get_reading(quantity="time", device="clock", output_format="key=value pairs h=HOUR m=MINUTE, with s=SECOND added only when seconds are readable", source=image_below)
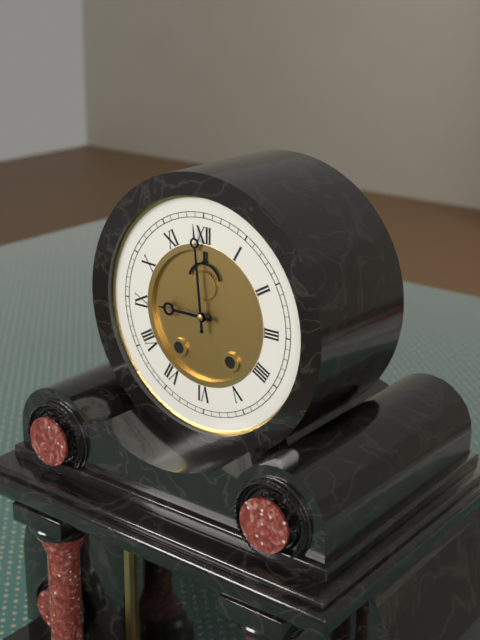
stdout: h=8 m=59
